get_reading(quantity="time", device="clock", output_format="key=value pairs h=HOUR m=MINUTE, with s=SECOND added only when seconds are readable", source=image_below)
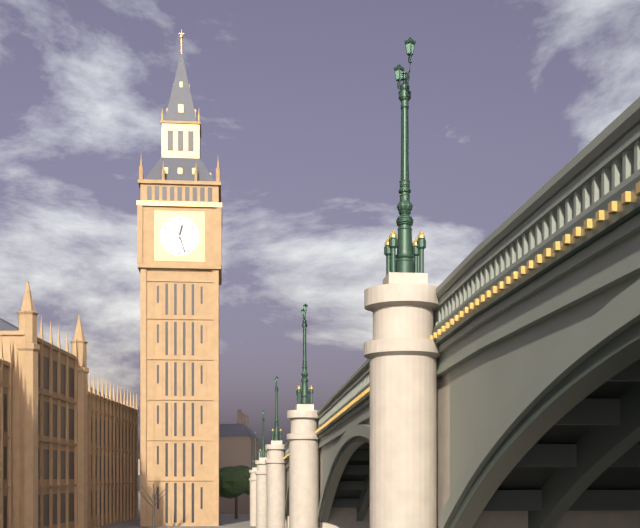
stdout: h=12 m=27
